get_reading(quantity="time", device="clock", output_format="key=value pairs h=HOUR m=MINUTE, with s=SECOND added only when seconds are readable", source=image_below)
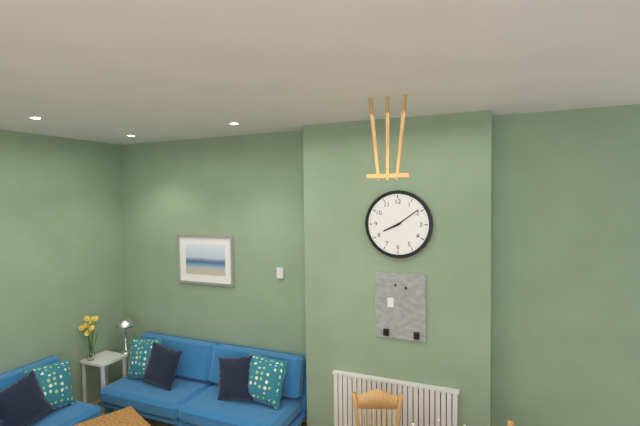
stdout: h=8 m=9
